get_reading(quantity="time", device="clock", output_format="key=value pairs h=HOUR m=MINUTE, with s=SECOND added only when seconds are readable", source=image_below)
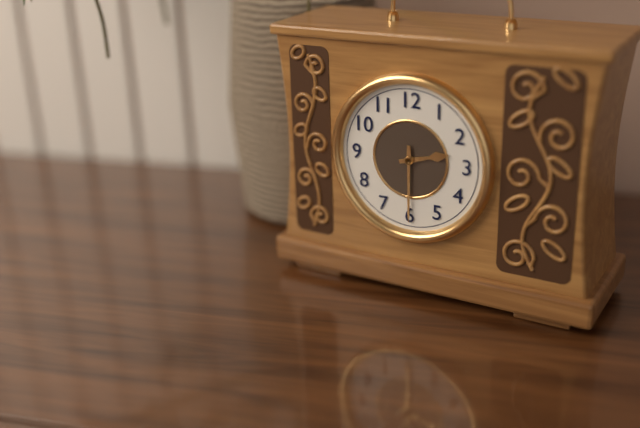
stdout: h=2 m=30
